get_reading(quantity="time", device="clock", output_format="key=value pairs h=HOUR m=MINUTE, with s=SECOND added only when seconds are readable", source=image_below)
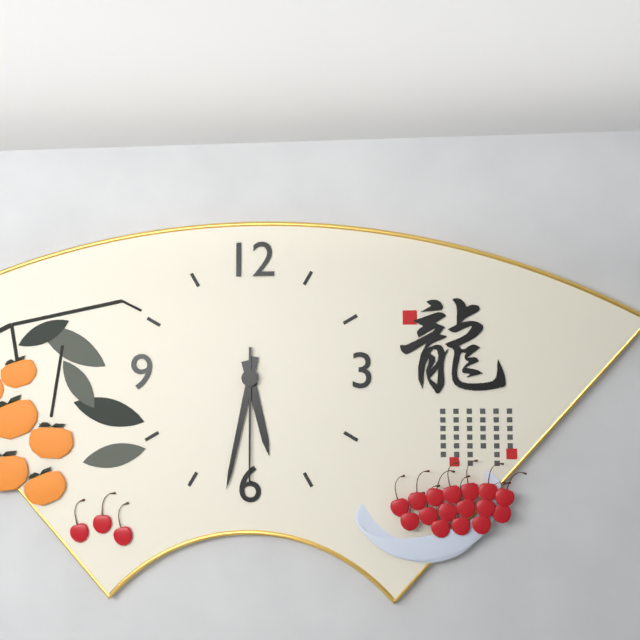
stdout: h=5 m=32 s=30
